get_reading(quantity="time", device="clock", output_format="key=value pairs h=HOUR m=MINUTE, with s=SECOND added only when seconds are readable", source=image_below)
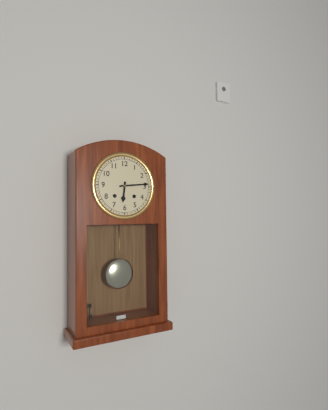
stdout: h=6 m=14
